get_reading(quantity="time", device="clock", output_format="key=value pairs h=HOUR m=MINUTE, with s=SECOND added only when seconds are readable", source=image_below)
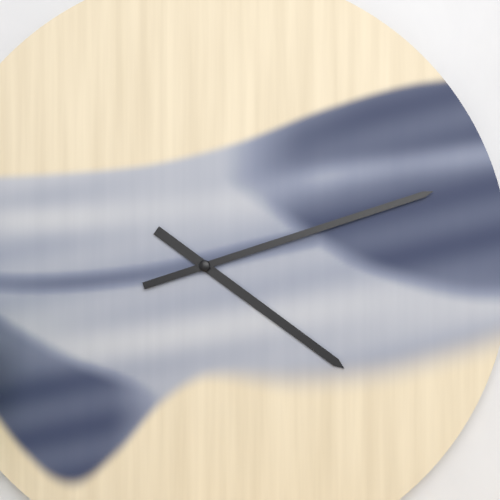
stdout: h=4 m=12
